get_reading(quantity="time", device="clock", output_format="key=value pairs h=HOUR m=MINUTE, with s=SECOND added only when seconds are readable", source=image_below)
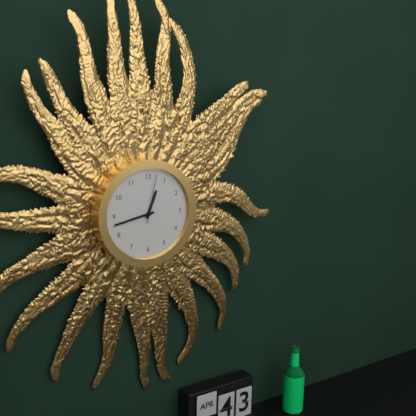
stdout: h=12 m=43 s=2
